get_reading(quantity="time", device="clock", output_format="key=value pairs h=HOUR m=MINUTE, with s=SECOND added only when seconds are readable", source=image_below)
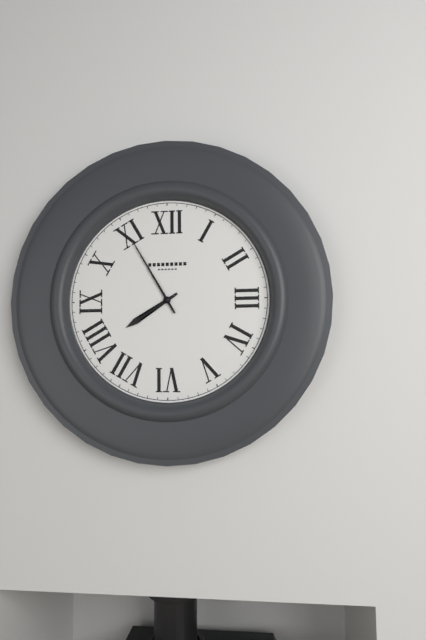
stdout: h=7 m=55
